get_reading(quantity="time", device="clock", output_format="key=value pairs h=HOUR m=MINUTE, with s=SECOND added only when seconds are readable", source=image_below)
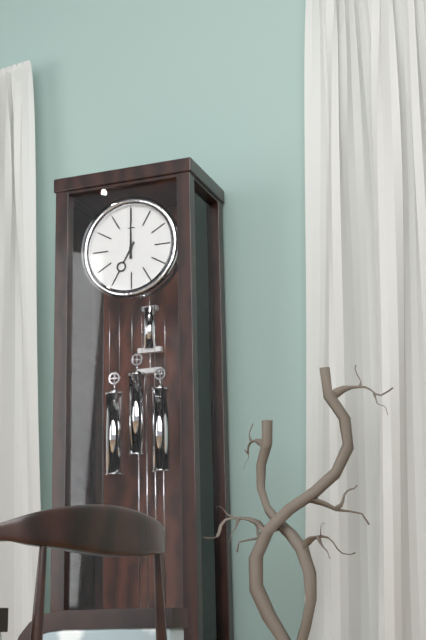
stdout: h=7 m=0
